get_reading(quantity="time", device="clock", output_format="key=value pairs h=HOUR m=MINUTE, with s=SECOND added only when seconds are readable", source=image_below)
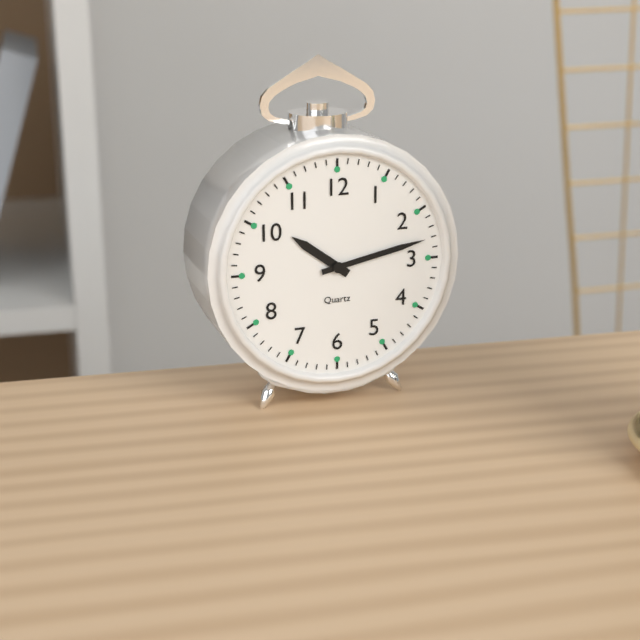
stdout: h=10 m=13
